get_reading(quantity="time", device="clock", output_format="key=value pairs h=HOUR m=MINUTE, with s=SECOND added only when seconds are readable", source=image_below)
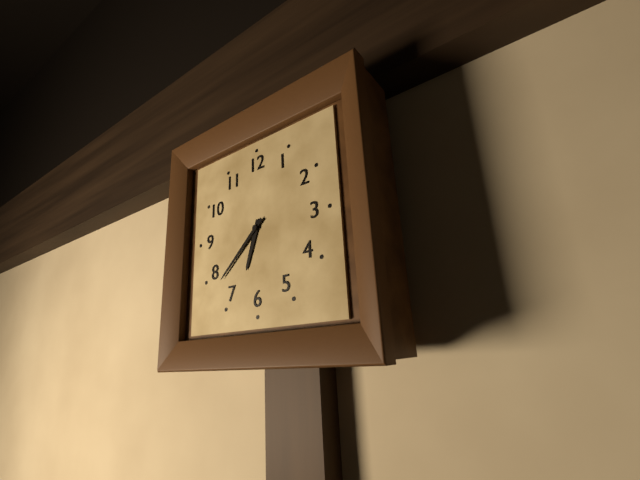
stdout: h=6 m=38
